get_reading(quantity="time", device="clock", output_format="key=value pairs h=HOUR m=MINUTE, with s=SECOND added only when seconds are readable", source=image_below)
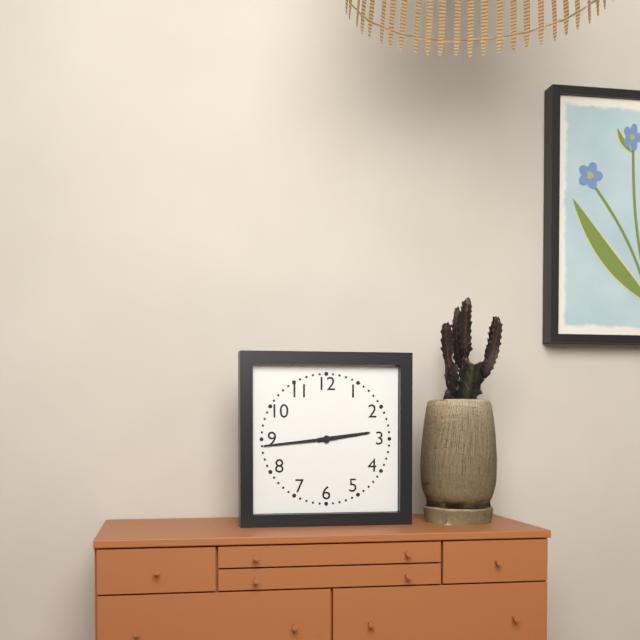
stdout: h=2 m=44
